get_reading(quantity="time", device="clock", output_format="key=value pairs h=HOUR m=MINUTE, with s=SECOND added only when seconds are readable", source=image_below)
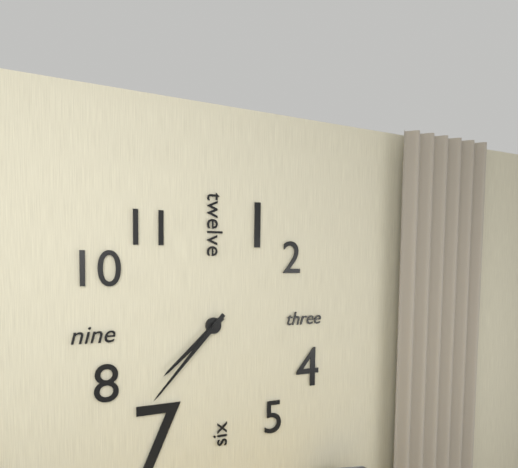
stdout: h=7 m=37
